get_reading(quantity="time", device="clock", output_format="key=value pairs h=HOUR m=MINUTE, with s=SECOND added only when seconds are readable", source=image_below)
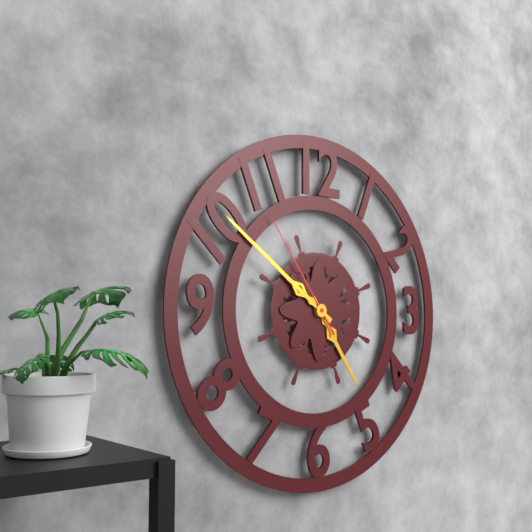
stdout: h=4 m=51 s=54
